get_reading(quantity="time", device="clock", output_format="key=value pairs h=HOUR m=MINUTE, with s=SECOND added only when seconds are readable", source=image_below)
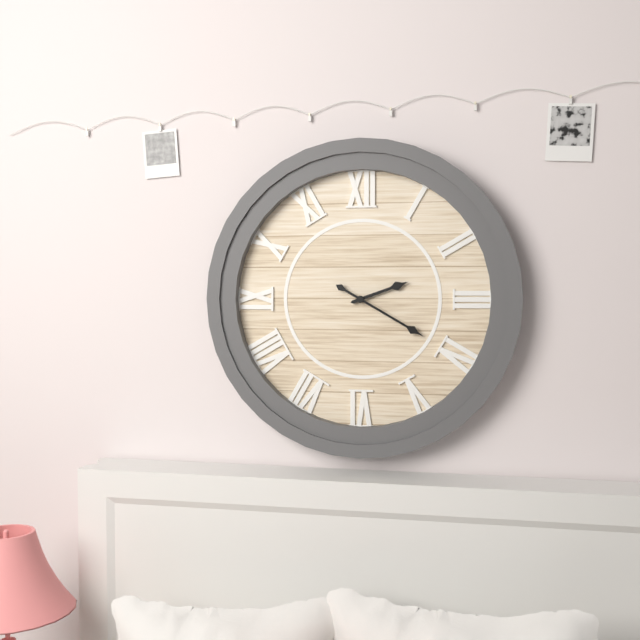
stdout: h=2 m=20
